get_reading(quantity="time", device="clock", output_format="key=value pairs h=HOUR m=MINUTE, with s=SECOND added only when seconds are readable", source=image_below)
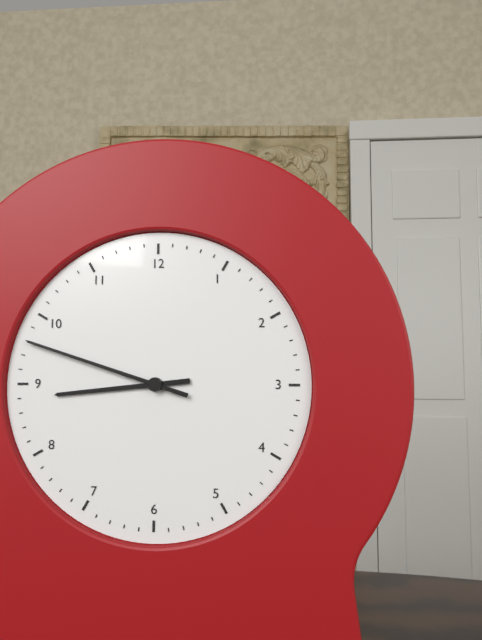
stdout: h=8 m=48
